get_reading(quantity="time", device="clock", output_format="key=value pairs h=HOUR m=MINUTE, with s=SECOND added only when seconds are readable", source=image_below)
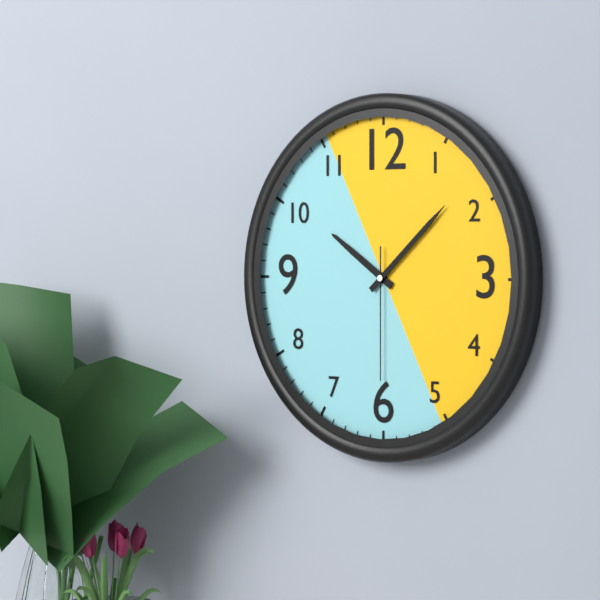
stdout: h=10 m=8 s=30
